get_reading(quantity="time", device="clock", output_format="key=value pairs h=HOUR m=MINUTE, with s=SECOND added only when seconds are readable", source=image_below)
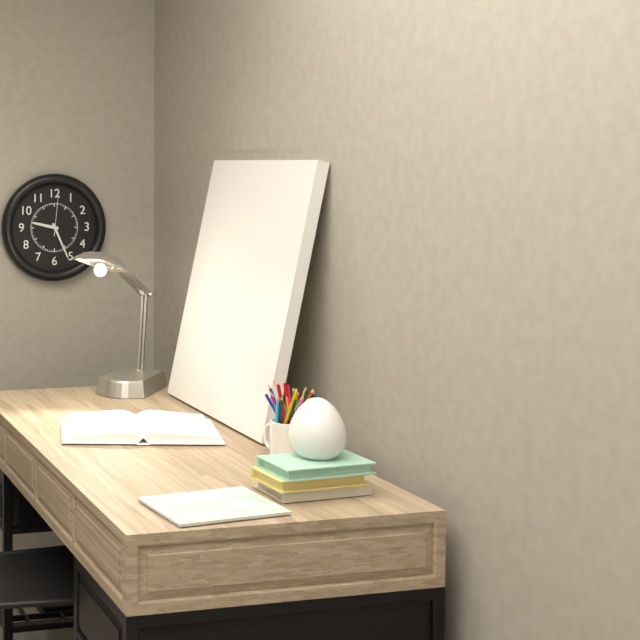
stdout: h=9 m=26
